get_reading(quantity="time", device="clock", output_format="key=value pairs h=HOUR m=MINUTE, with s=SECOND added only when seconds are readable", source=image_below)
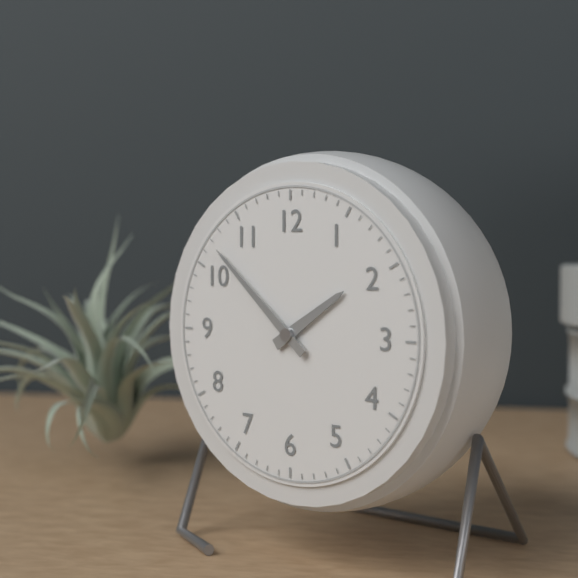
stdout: h=1 m=52
